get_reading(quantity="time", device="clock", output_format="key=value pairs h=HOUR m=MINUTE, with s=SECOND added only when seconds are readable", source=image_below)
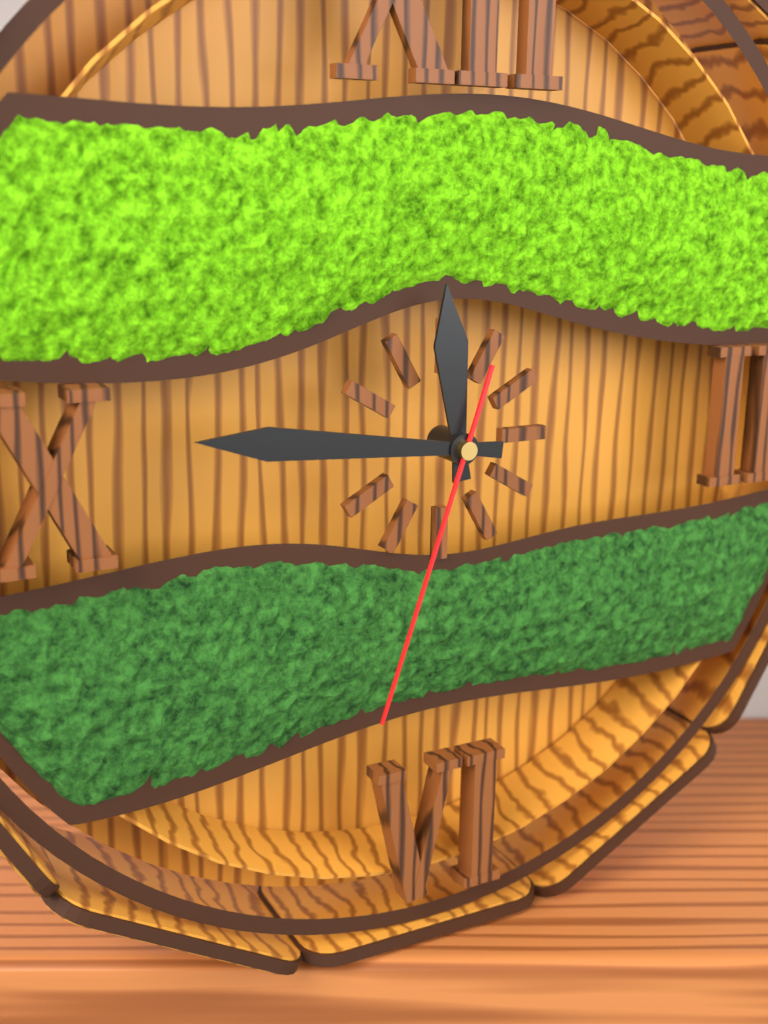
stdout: h=11 m=46 s=33
